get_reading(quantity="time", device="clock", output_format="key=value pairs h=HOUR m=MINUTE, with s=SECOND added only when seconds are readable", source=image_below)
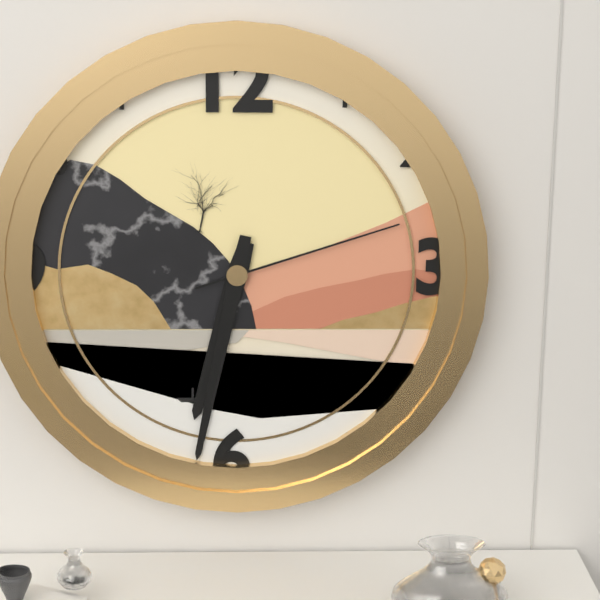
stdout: h=6 m=32 s=12
